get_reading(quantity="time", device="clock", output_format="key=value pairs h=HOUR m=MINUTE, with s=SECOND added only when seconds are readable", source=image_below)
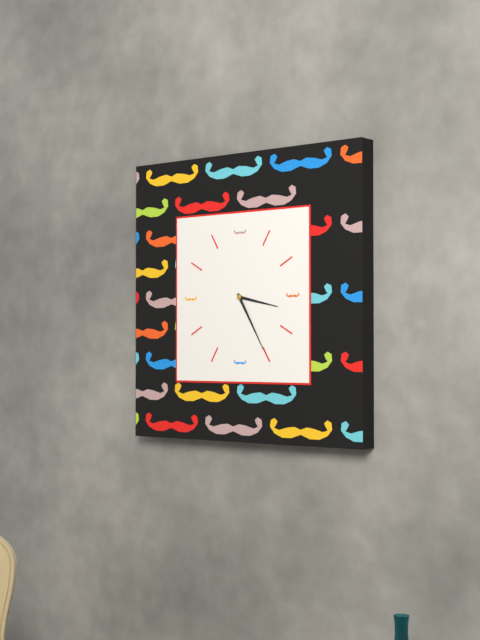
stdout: h=3 m=25
